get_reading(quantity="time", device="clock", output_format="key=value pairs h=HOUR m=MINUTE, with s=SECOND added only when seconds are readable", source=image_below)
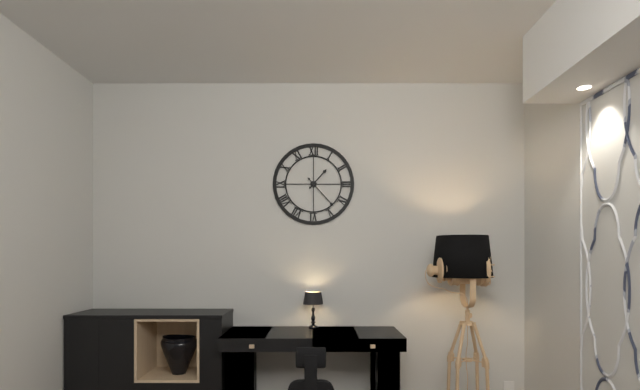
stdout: h=1 m=23
